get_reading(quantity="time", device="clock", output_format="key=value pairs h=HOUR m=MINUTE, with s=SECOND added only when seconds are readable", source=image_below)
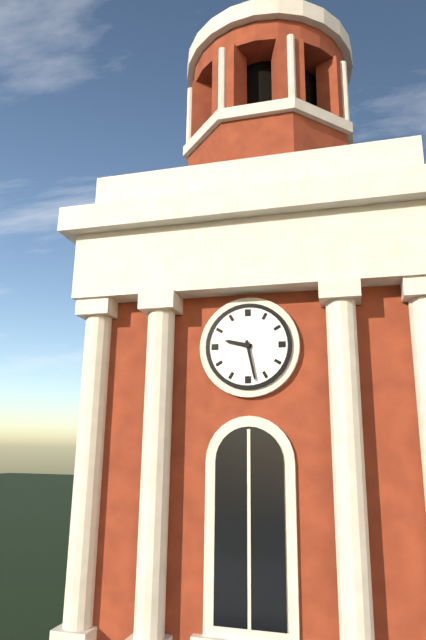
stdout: h=9 m=28
